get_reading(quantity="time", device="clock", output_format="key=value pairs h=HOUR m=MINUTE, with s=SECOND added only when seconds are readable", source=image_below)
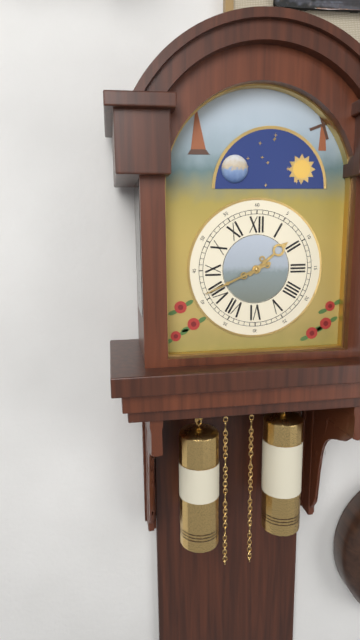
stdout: h=1 m=41
